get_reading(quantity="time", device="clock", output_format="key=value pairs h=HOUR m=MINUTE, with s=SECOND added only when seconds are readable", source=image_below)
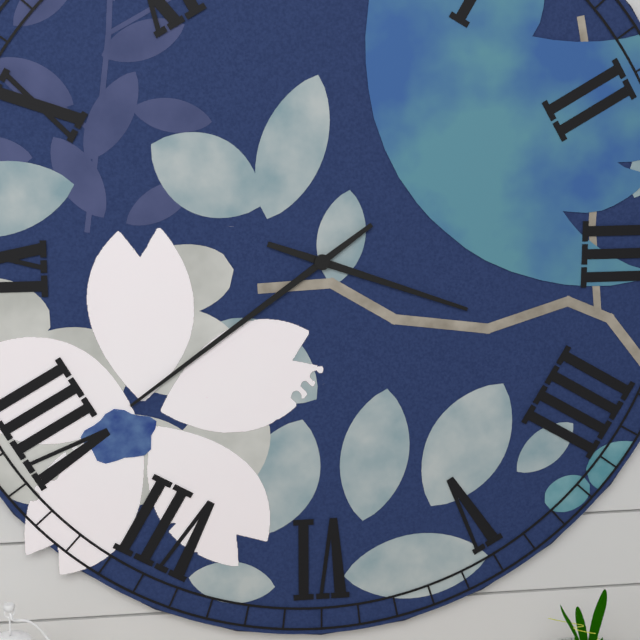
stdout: h=3 m=39
